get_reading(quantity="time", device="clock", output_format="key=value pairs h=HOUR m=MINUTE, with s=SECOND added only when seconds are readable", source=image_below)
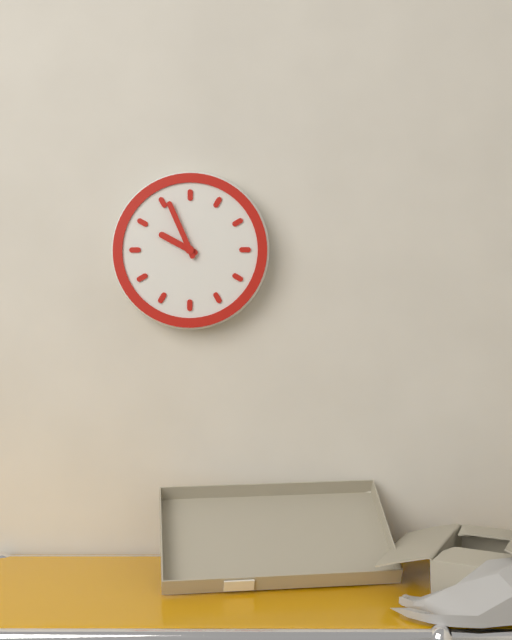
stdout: h=9 m=56
